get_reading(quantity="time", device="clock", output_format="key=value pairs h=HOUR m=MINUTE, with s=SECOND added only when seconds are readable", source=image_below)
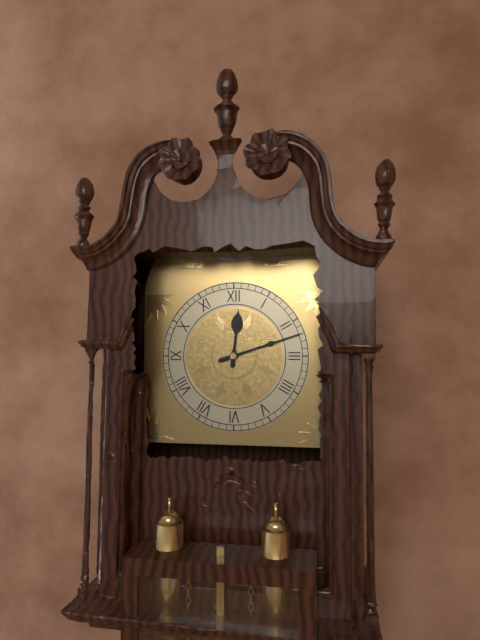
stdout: h=12 m=12
